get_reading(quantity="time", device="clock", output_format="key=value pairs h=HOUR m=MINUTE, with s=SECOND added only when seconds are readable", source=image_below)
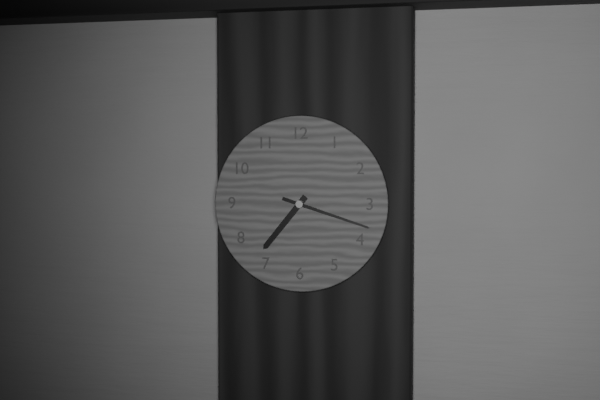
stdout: h=7 m=18
